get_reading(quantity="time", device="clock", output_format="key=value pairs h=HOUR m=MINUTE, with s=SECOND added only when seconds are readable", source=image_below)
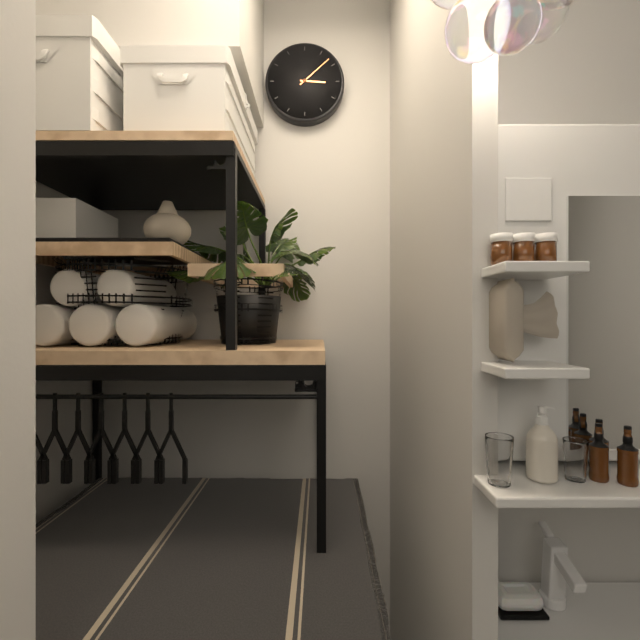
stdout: h=3 m=8
